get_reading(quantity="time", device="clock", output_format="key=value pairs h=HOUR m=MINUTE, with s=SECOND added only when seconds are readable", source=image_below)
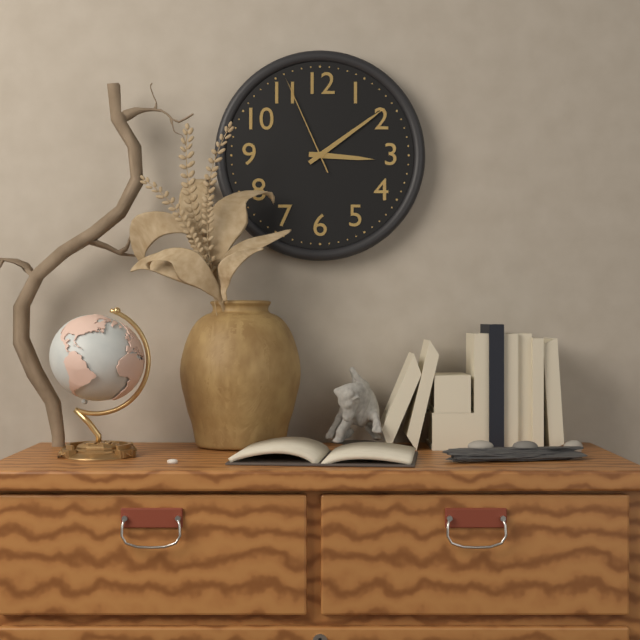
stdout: h=3 m=9 s=56
